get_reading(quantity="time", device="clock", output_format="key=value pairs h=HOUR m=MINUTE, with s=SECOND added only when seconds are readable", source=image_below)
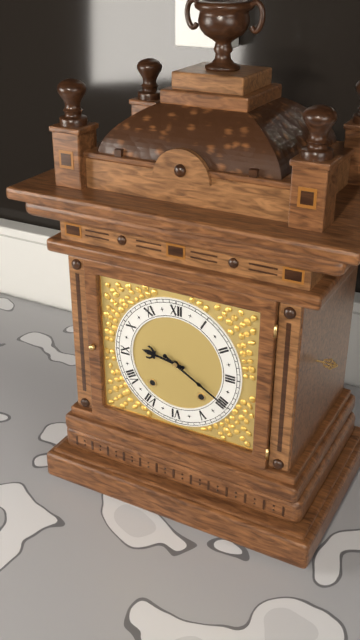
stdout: h=9 m=20
